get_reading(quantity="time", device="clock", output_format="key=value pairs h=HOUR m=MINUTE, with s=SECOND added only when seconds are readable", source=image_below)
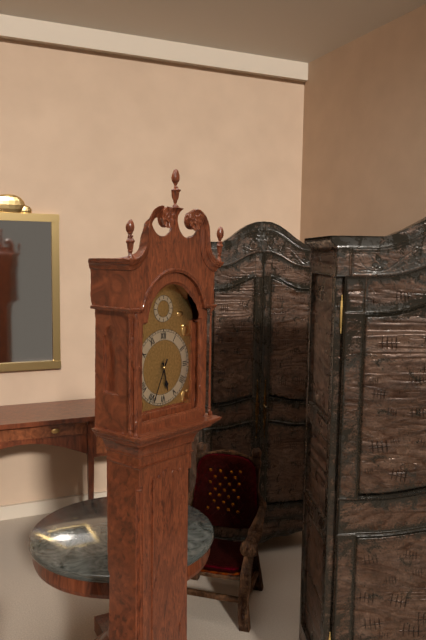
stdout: h=5 m=34
